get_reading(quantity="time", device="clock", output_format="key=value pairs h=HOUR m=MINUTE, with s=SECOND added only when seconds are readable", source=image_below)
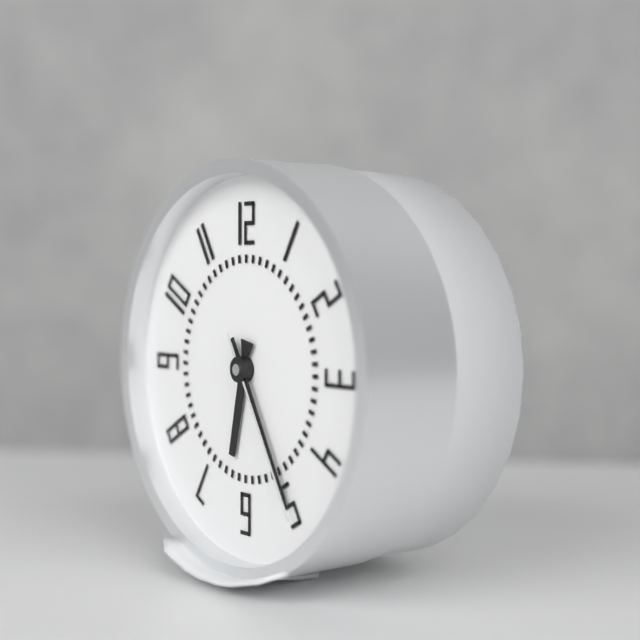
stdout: h=6 m=25 s=25
